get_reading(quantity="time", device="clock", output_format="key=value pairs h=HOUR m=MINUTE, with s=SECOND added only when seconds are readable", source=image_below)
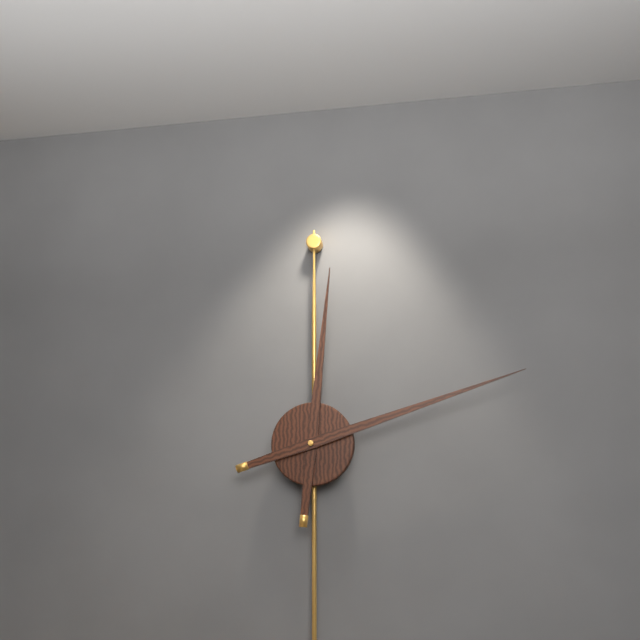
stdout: h=12 m=12
